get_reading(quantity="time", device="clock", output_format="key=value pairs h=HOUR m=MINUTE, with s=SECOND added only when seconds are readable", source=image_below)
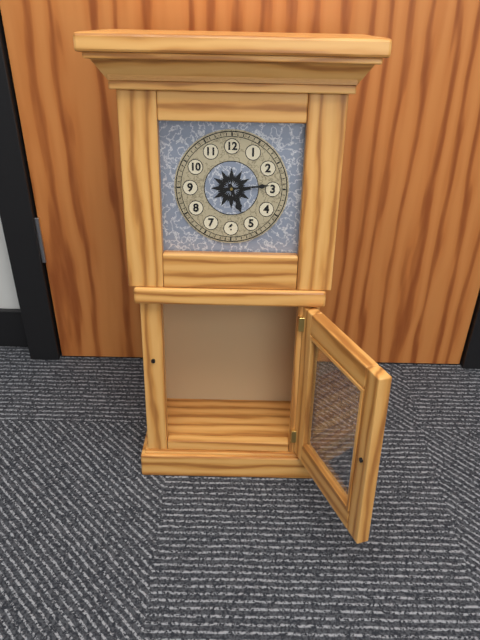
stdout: h=5 m=14
